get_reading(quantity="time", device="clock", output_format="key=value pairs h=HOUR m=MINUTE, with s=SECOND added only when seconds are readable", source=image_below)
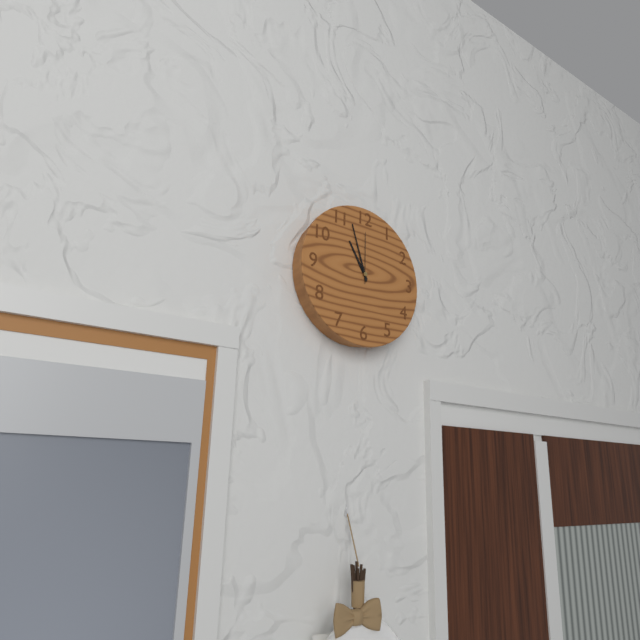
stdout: h=10 m=57 s=0
